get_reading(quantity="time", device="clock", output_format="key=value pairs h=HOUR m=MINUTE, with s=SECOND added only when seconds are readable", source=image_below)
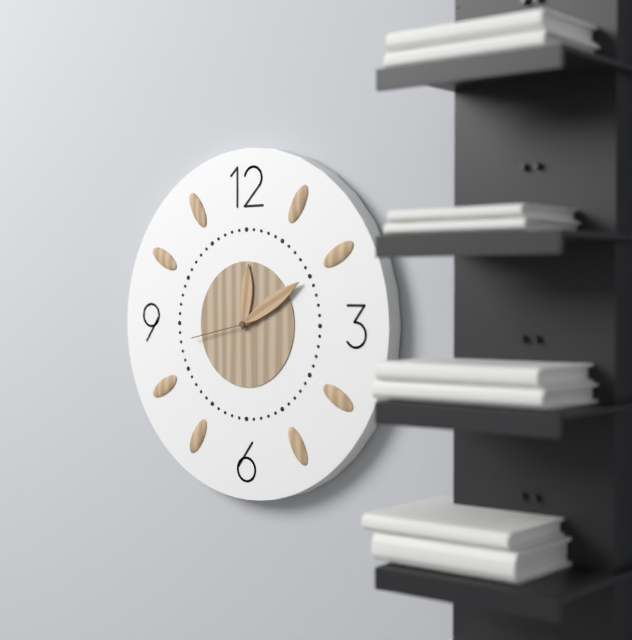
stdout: h=12 m=10 s=43
